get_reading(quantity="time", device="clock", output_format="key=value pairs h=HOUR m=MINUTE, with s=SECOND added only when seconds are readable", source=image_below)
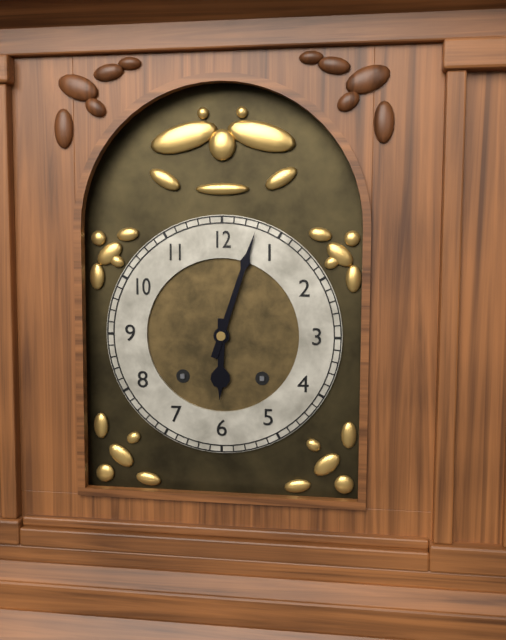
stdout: h=6 m=3
